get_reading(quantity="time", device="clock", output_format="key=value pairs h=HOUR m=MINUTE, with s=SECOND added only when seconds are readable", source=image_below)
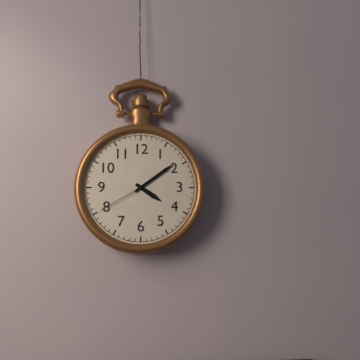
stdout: h=4 m=9 s=40
